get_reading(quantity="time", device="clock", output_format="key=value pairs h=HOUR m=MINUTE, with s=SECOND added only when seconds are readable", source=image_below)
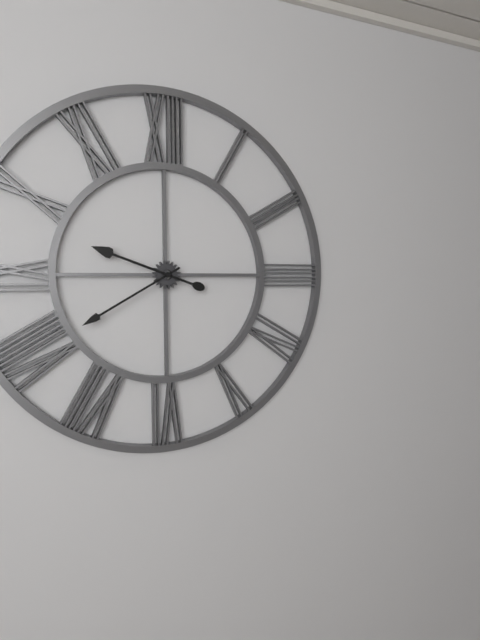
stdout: h=9 m=40
